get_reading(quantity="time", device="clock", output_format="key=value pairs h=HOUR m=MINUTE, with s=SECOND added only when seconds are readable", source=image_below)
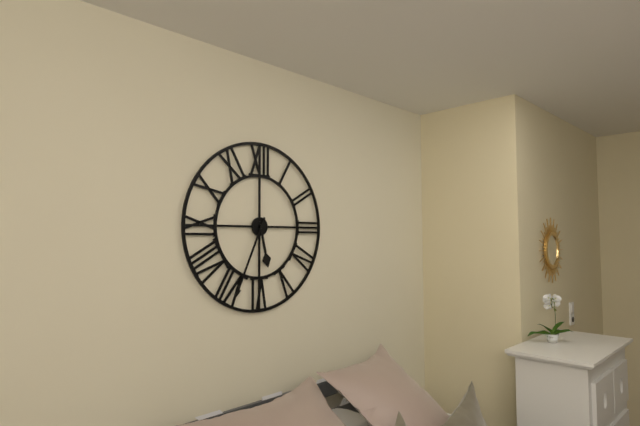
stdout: h=5 m=34
